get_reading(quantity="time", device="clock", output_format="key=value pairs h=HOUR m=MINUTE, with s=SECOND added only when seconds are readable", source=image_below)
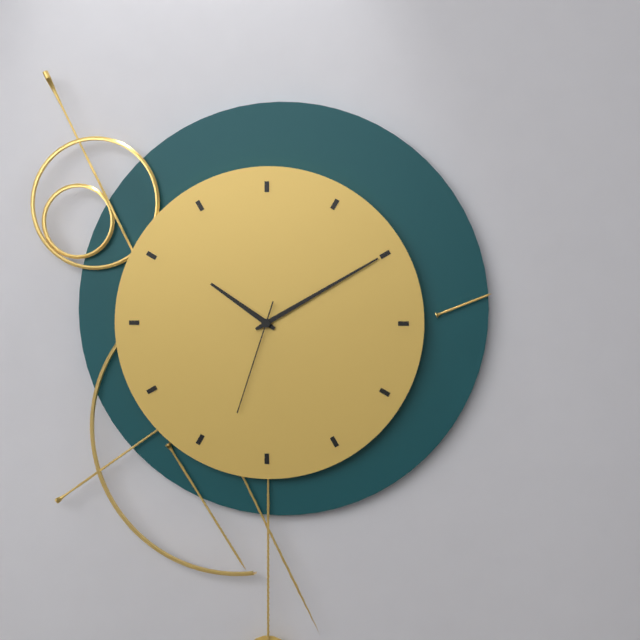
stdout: h=10 m=10 s=33
